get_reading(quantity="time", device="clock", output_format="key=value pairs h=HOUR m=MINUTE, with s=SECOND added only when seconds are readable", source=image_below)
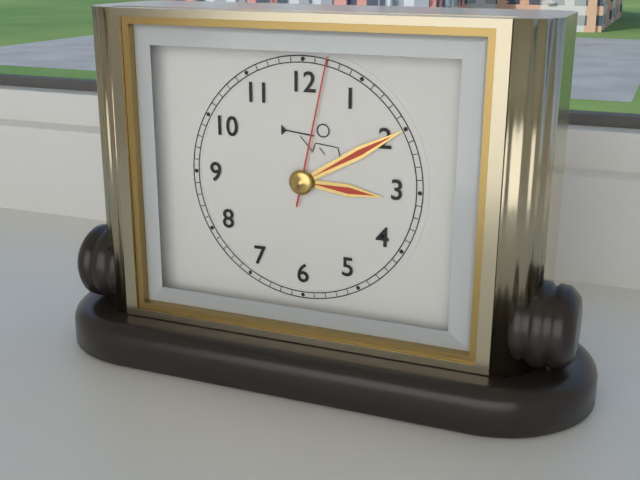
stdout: h=3 m=10 s=2
